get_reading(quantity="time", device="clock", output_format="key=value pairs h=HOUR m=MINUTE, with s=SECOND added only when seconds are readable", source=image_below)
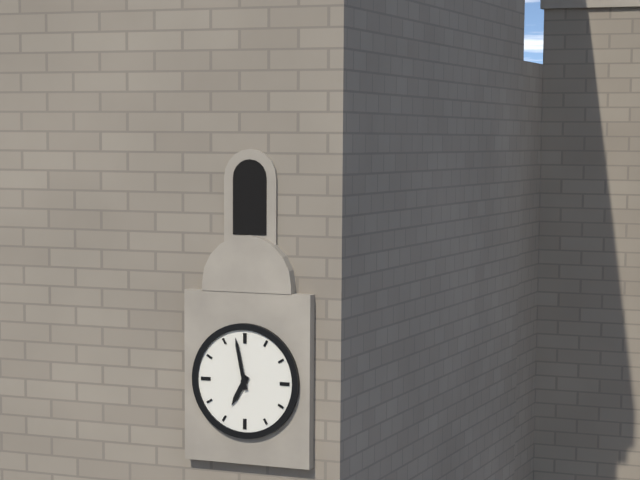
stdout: h=6 m=58
